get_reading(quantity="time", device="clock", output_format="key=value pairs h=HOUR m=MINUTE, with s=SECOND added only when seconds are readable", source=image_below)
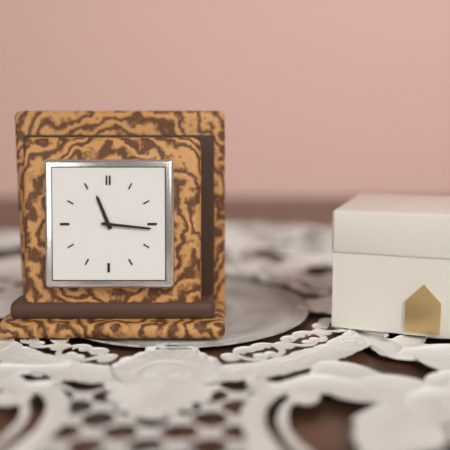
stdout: h=11 m=16
